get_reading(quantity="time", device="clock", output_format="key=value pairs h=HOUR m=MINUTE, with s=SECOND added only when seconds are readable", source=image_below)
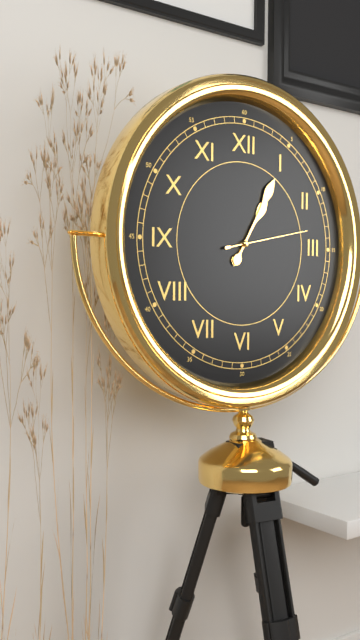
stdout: h=1 m=5 s=13
